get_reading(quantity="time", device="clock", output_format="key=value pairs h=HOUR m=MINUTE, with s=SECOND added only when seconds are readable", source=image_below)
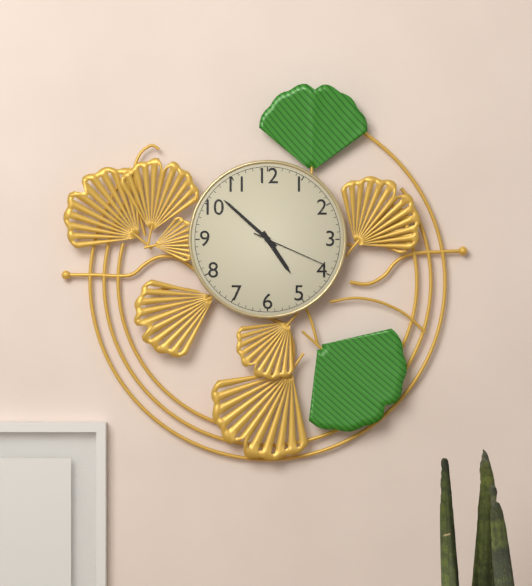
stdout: h=4 m=52 s=19
